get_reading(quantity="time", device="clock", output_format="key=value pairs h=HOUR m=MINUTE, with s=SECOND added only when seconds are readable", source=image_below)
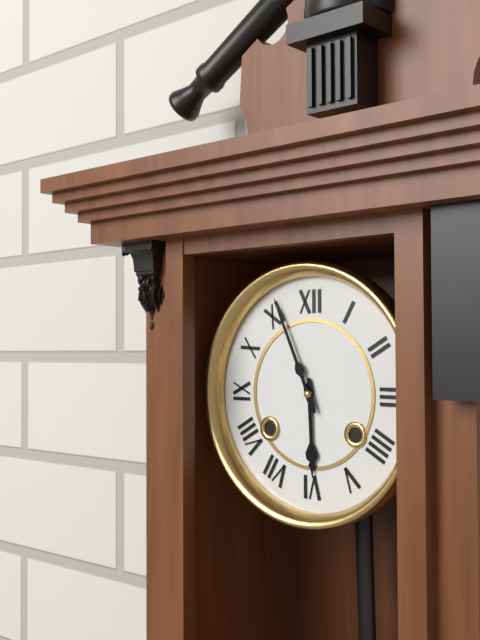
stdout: h=5 m=56
